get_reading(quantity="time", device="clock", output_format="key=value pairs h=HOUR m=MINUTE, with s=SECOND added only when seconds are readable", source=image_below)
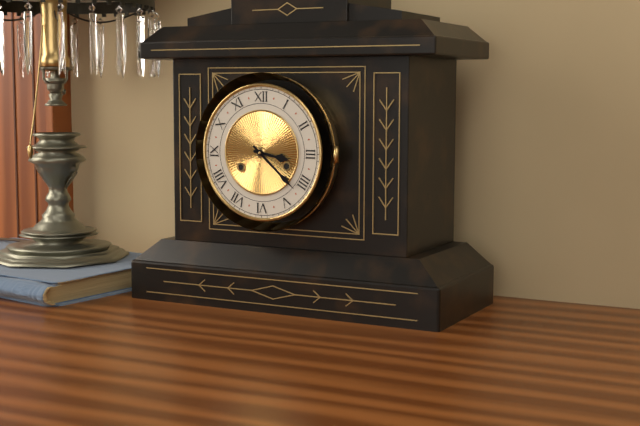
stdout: h=3 m=22
